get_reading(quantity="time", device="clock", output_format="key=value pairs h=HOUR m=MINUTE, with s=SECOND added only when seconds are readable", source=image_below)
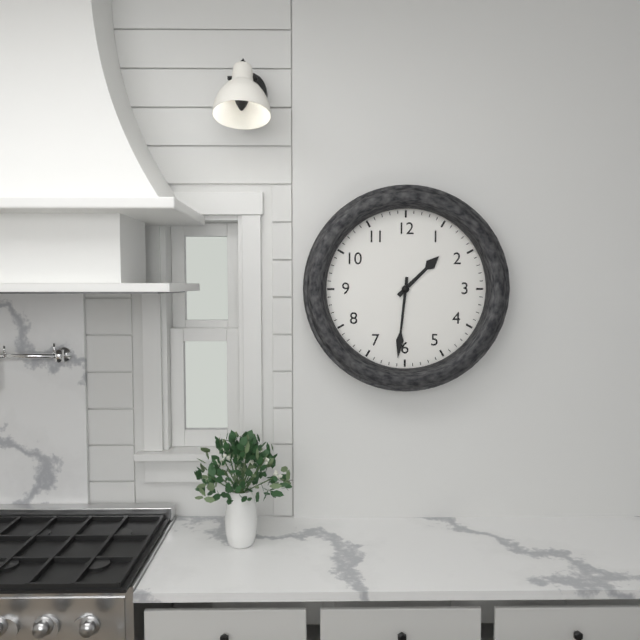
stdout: h=1 m=31
